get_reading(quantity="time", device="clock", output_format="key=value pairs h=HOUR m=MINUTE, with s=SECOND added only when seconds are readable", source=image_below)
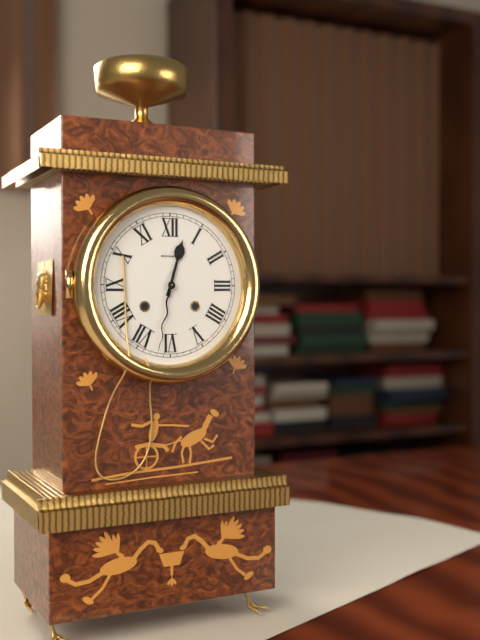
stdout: h=12 m=32
